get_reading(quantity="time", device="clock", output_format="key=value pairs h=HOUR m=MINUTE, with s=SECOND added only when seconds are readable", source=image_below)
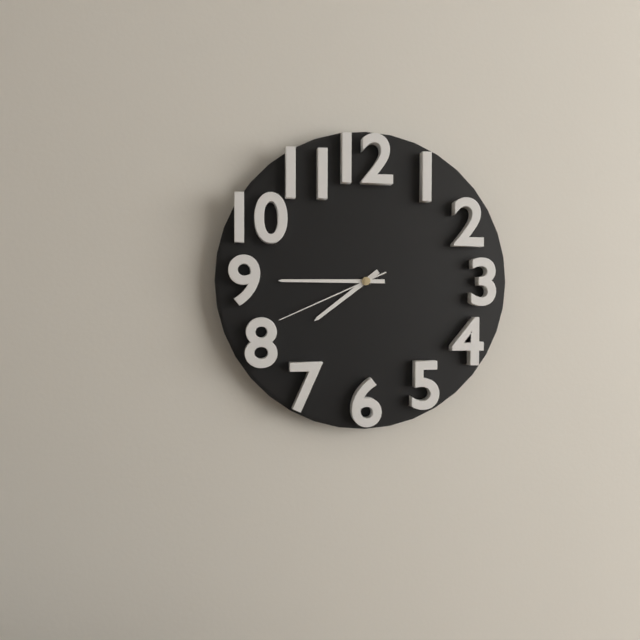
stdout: h=7 m=45 s=41
